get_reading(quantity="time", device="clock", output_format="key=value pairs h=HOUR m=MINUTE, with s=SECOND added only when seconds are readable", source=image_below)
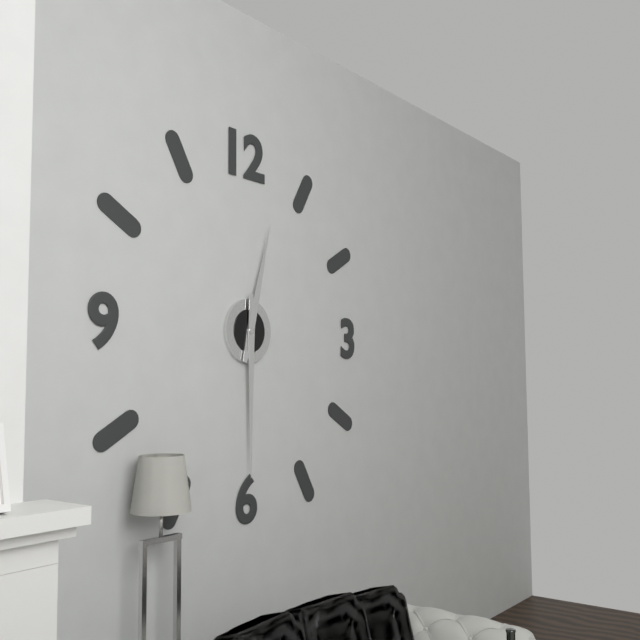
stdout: h=12 m=30
